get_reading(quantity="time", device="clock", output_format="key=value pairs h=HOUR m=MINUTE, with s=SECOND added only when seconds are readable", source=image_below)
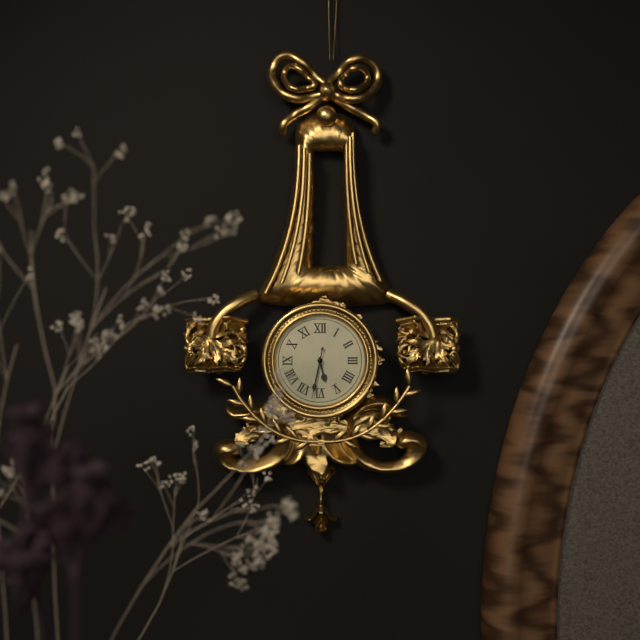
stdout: h=5 m=32
